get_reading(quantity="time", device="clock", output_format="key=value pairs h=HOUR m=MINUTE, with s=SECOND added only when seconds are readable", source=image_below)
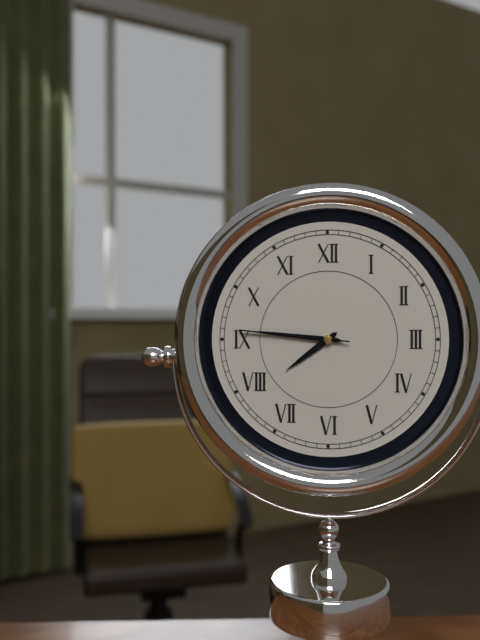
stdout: h=7 m=46 s=46
